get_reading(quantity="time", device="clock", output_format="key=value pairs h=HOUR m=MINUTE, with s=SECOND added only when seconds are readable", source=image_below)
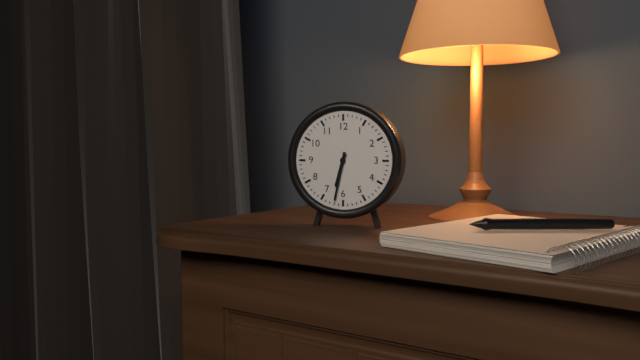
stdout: h=6 m=32
